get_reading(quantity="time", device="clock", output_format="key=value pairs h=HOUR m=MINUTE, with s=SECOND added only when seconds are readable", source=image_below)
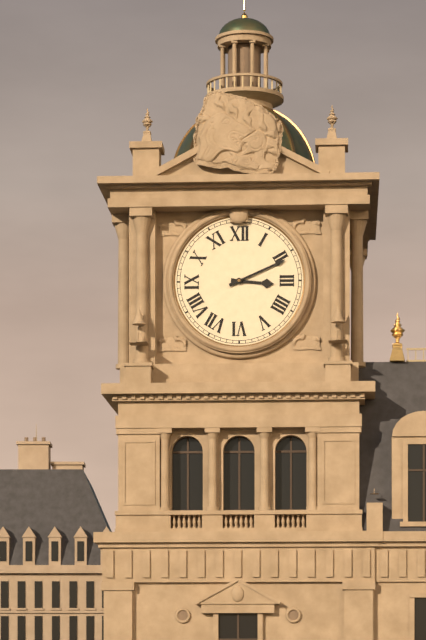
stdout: h=3 m=11
